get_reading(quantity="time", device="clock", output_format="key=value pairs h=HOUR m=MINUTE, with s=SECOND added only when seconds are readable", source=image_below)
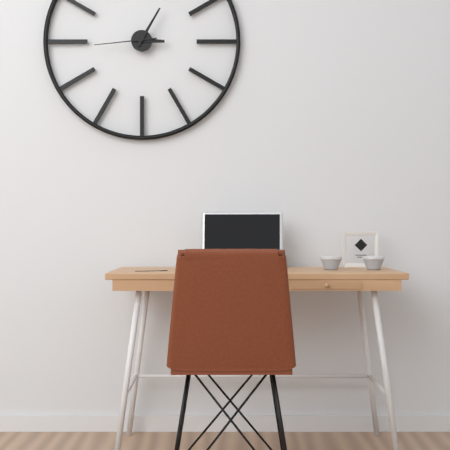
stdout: h=3 m=5 s=44
